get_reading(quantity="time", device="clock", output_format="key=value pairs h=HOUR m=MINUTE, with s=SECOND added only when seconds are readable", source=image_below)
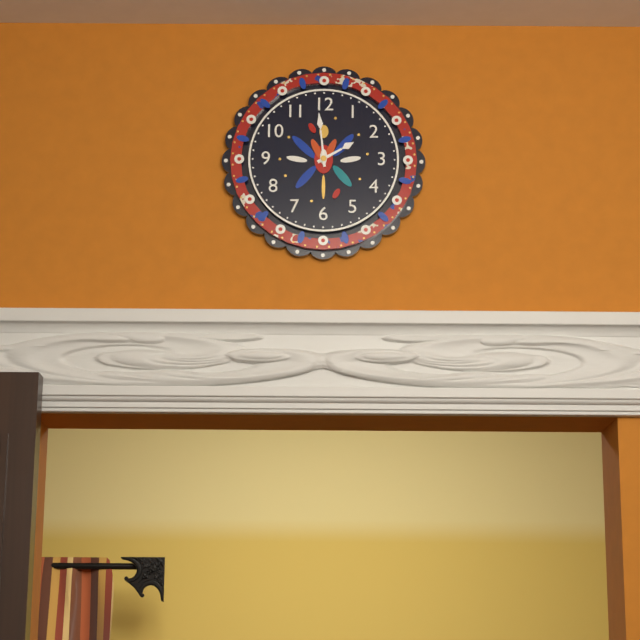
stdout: h=1 m=59
